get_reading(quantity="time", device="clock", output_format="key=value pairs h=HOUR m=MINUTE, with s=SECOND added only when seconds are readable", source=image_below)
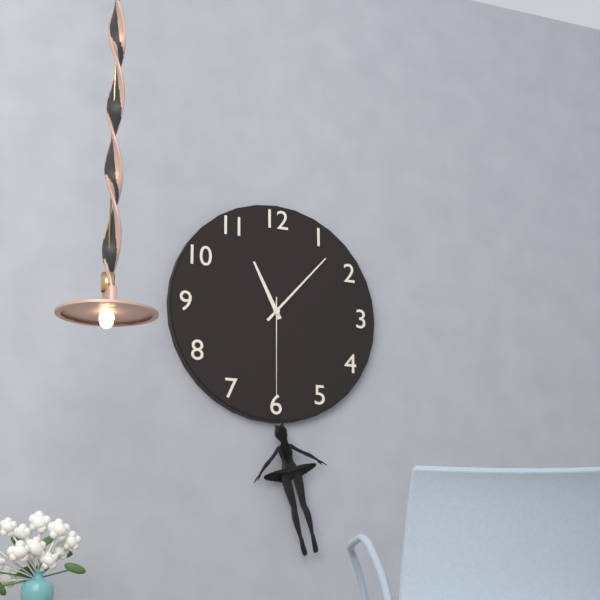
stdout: h=11 m=7 s=30
